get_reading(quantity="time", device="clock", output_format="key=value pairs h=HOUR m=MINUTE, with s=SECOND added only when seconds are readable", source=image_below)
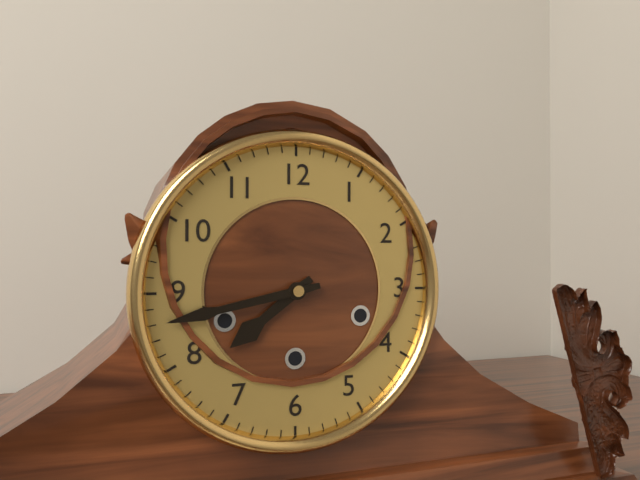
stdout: h=7 m=43
